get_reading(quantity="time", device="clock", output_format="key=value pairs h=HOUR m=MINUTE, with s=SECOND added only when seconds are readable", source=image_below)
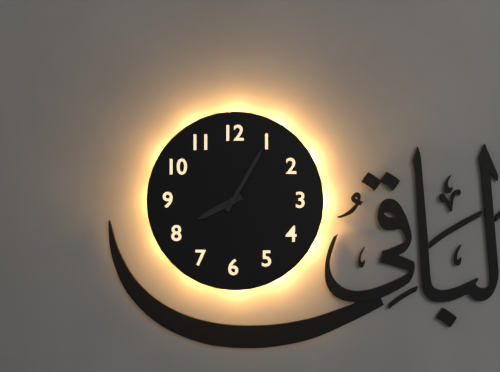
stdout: h=8 m=5
